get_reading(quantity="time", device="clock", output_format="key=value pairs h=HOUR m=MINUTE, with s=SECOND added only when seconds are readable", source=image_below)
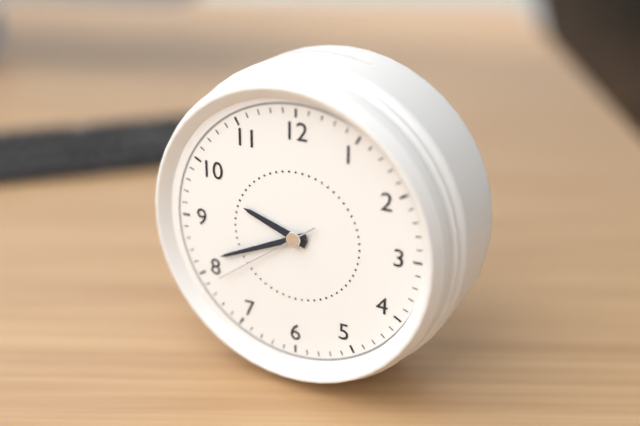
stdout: h=9 m=41 s=39
